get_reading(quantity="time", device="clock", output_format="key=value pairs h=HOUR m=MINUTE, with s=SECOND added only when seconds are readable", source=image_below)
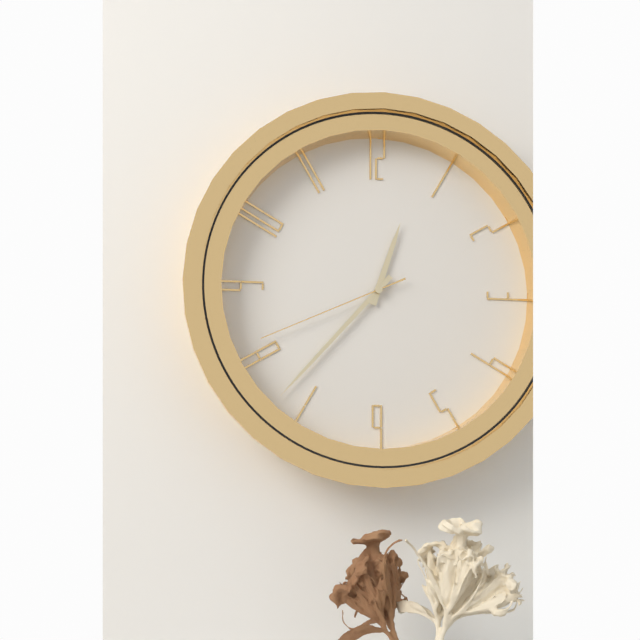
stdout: h=12 m=37 s=41
